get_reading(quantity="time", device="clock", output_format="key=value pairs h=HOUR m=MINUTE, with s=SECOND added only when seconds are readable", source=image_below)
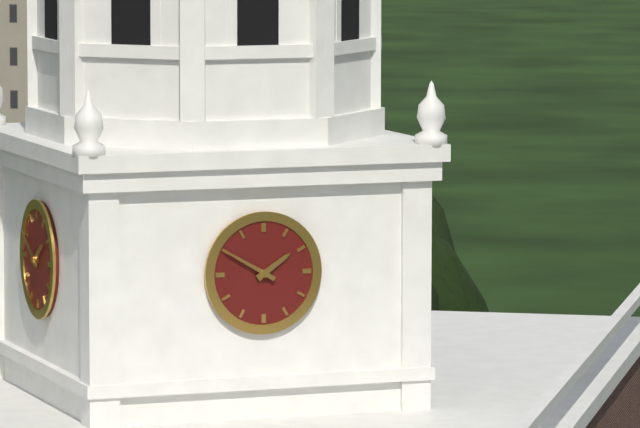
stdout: h=1 m=50
